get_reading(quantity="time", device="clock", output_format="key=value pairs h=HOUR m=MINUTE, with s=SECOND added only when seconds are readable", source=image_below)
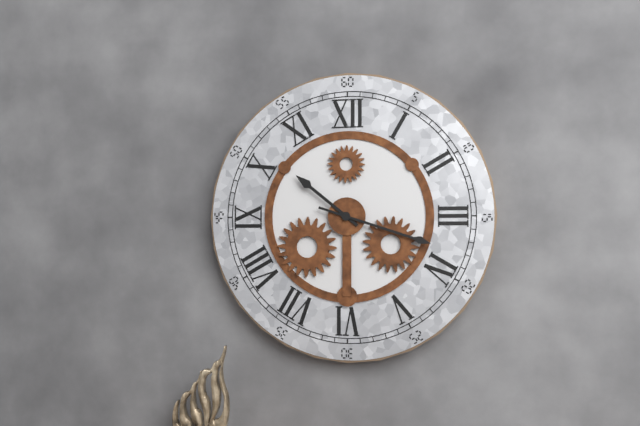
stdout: h=10 m=18
